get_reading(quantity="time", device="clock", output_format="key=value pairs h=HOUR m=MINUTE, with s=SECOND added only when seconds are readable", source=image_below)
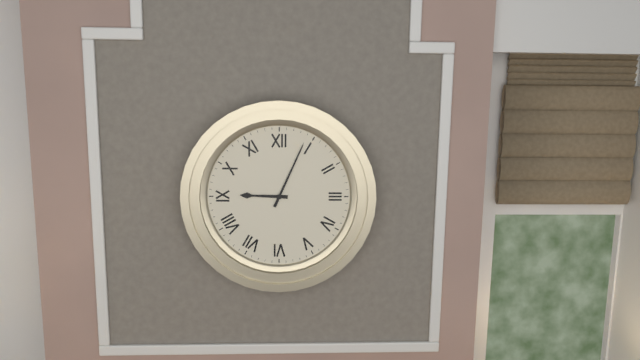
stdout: h=9 m=4
